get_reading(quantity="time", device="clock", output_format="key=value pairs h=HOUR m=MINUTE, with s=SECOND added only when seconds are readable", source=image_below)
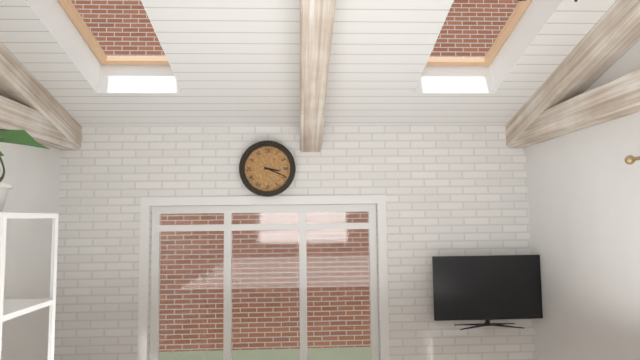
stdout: h=3 m=19
